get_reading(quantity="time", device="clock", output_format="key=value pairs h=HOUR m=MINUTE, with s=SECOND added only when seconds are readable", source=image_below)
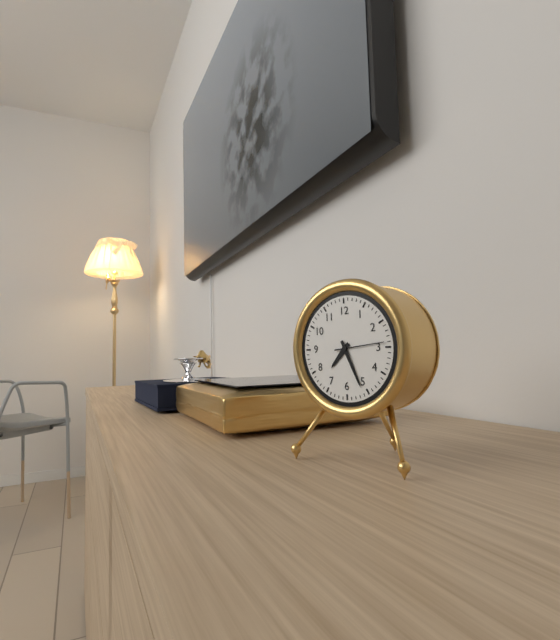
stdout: h=7 m=26 s=14
